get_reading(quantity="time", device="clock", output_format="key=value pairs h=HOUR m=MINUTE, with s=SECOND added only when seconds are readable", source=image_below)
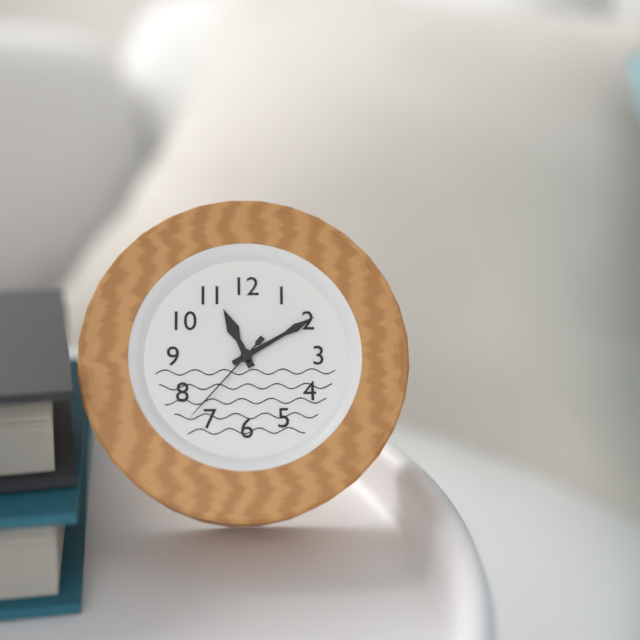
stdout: h=11 m=10 s=37
